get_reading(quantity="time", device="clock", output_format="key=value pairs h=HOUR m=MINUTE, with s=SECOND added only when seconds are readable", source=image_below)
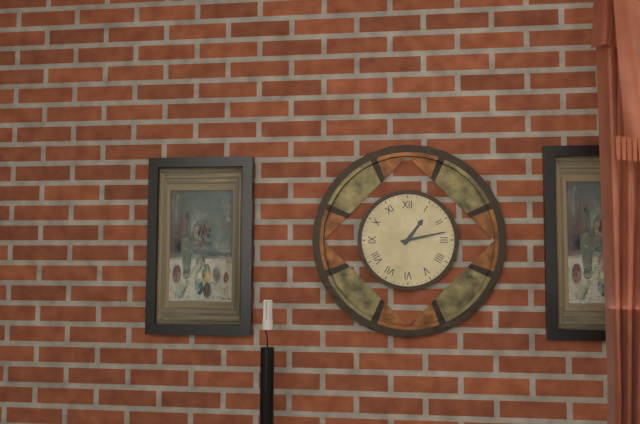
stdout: h=1 m=13
